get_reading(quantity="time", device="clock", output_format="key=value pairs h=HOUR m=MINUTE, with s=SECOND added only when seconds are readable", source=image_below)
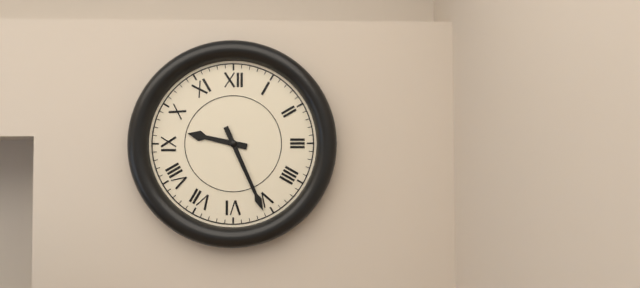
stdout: h=9 m=26
